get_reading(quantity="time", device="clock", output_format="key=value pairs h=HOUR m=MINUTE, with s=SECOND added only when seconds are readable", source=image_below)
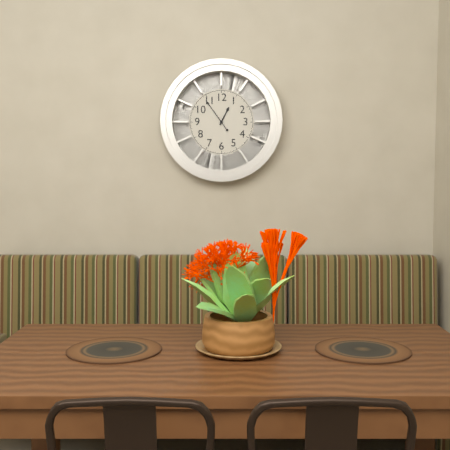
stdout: h=12 m=54
